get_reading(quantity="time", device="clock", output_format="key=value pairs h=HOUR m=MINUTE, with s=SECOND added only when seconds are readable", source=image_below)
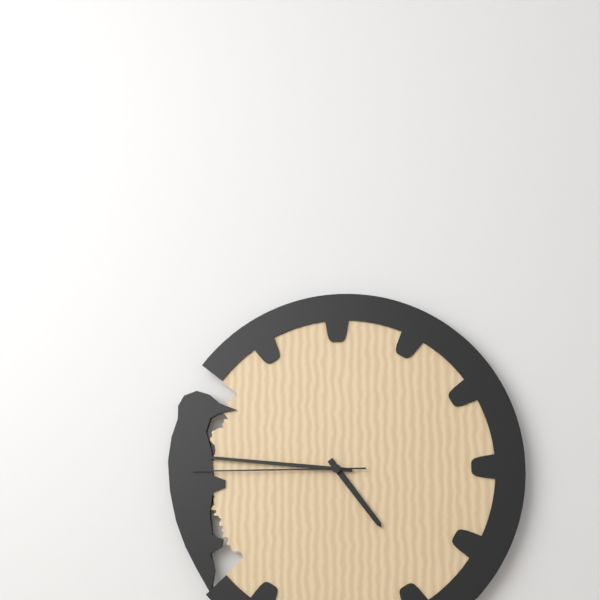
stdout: h=4 m=46 s=45
